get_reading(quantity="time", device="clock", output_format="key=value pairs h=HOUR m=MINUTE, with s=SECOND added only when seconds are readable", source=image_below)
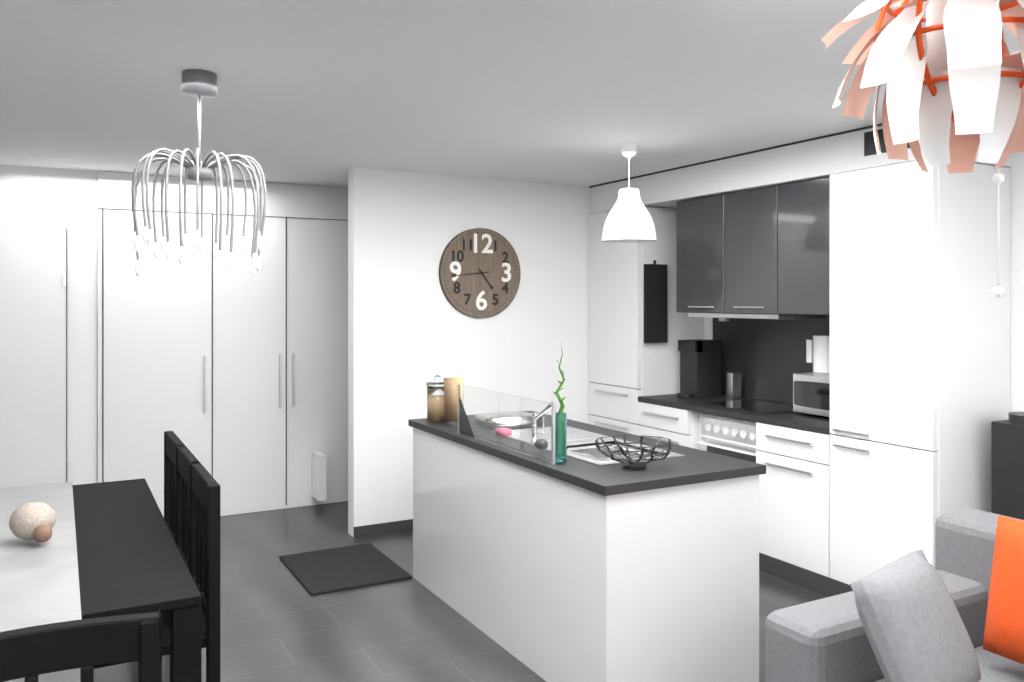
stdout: h=4 m=44
